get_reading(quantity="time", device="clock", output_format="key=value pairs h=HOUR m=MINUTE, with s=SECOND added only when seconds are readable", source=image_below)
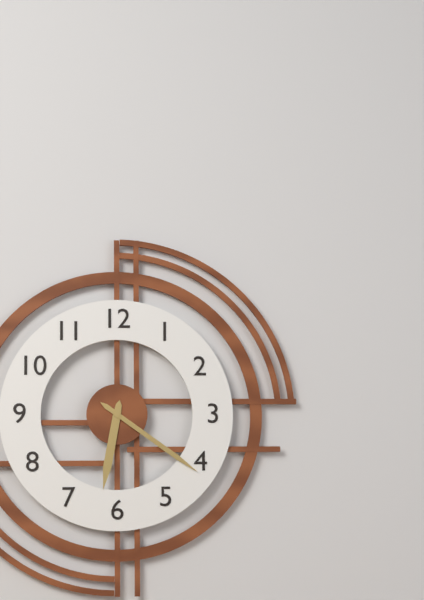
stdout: h=6 m=21
